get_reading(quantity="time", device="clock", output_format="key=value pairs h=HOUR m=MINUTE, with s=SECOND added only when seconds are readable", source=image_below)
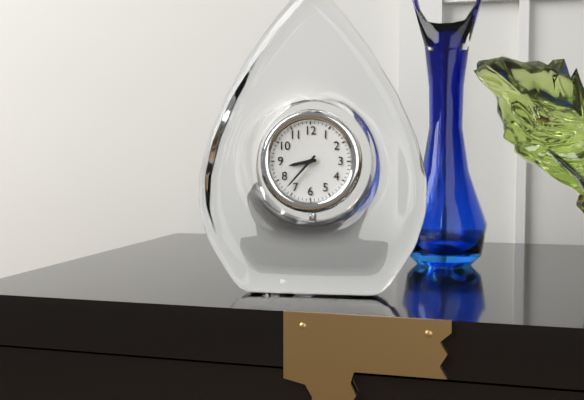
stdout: h=8 m=37
